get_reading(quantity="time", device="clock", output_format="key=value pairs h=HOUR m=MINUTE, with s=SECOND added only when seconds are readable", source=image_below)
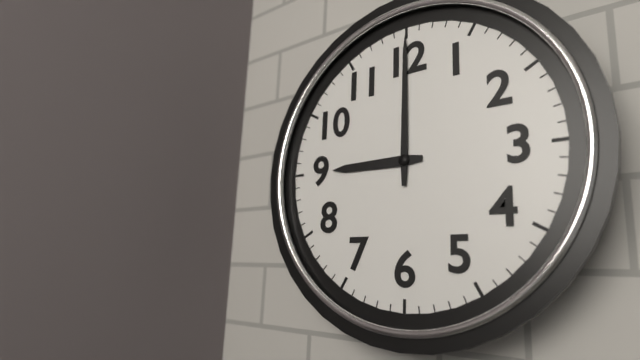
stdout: h=9 m=0
